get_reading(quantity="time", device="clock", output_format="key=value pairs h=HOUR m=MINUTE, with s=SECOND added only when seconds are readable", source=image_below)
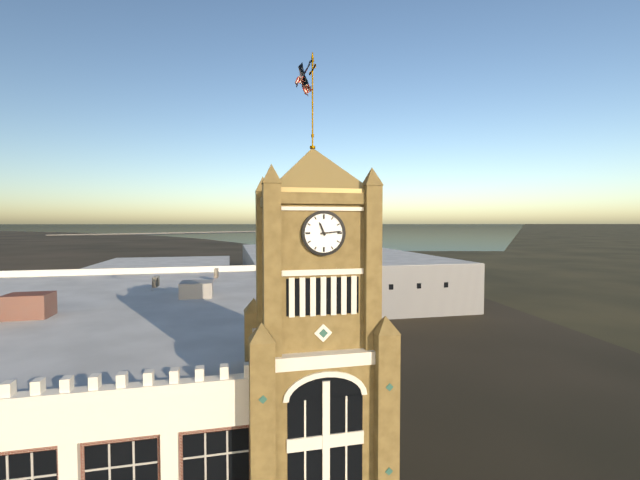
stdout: h=11 m=14
